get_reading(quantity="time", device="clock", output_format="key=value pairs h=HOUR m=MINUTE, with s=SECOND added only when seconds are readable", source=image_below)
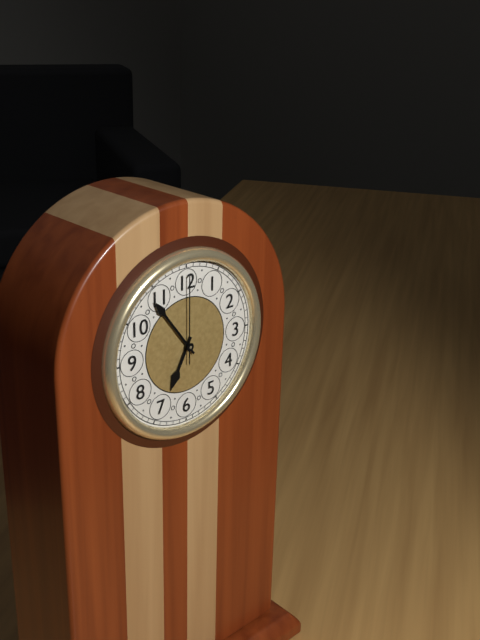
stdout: h=6 m=54 s=0
